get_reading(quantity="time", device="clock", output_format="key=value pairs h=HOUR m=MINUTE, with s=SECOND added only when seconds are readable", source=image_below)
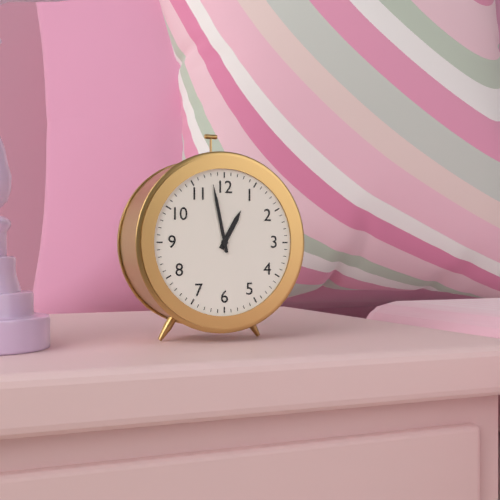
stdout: h=12 m=58
